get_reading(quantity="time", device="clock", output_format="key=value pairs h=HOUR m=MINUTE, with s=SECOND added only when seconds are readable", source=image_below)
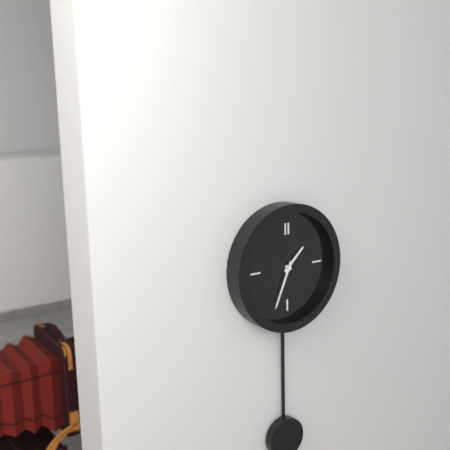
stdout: h=1 m=34
